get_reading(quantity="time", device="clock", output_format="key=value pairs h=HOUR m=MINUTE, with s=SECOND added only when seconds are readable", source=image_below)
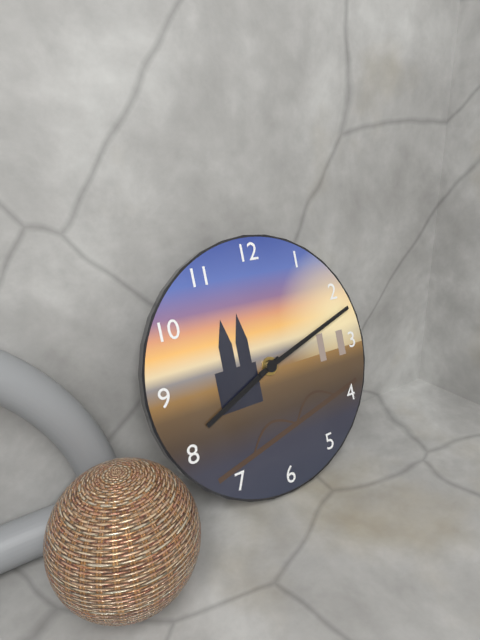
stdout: h=8 m=12
